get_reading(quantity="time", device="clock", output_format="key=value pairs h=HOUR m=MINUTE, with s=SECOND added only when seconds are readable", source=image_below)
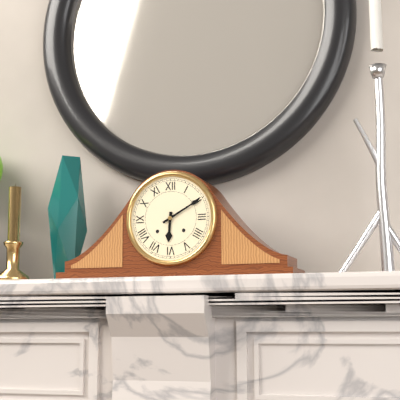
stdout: h=6 m=10
